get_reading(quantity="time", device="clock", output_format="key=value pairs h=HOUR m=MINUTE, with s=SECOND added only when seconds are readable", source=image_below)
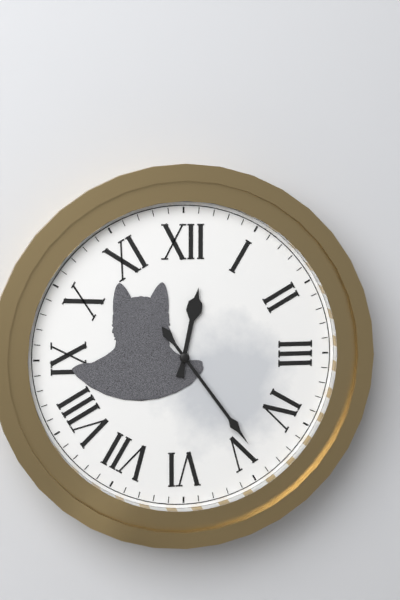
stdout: h=12 m=24
